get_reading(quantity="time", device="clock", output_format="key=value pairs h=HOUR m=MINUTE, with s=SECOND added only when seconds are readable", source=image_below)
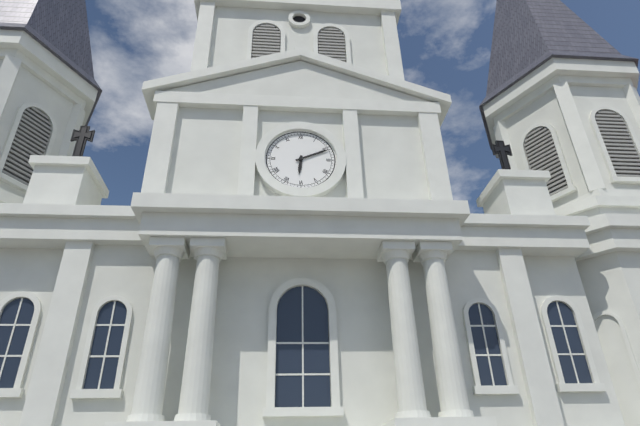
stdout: h=6 m=11
